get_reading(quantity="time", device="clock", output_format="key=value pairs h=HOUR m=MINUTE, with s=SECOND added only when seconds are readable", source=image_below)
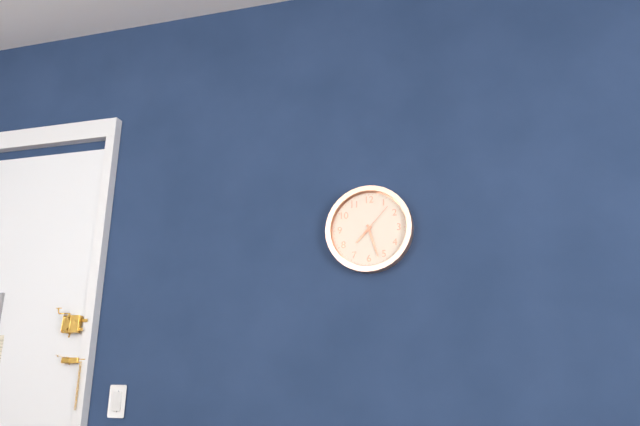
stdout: h=7 m=27
